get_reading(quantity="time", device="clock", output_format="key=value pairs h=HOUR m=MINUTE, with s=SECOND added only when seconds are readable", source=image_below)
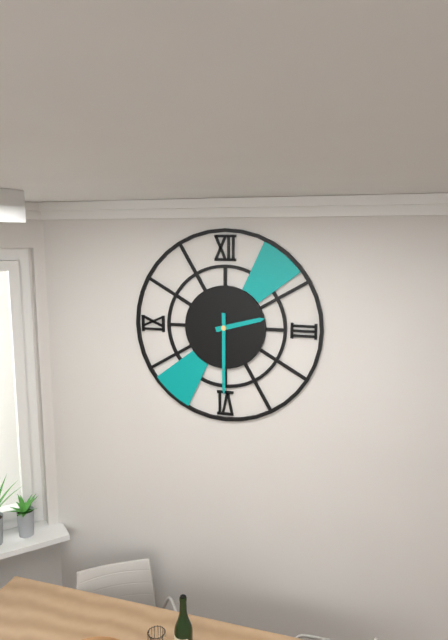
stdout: h=2 m=30
